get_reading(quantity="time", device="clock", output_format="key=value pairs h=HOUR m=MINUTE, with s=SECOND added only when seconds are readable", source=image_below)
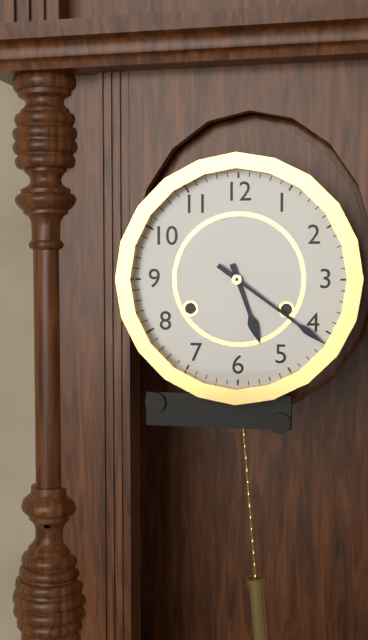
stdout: h=5 m=21
